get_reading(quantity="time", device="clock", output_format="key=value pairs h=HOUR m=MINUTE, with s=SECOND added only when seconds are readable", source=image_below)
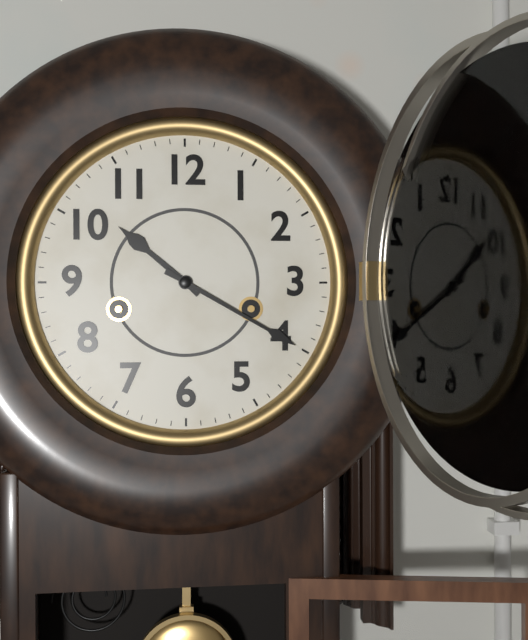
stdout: h=10 m=20
